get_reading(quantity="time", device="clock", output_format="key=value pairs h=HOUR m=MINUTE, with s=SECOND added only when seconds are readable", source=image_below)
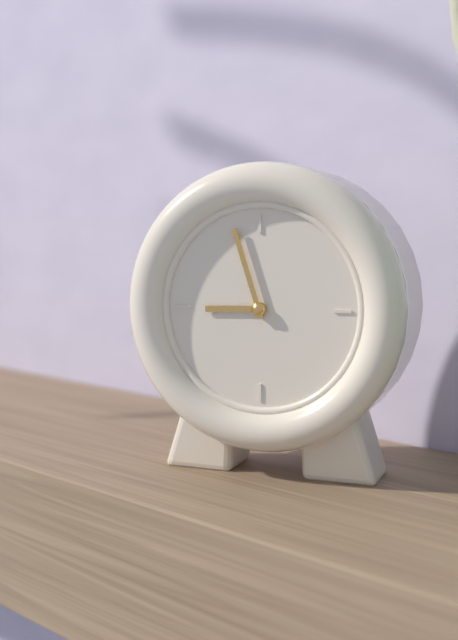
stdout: h=8 m=57
